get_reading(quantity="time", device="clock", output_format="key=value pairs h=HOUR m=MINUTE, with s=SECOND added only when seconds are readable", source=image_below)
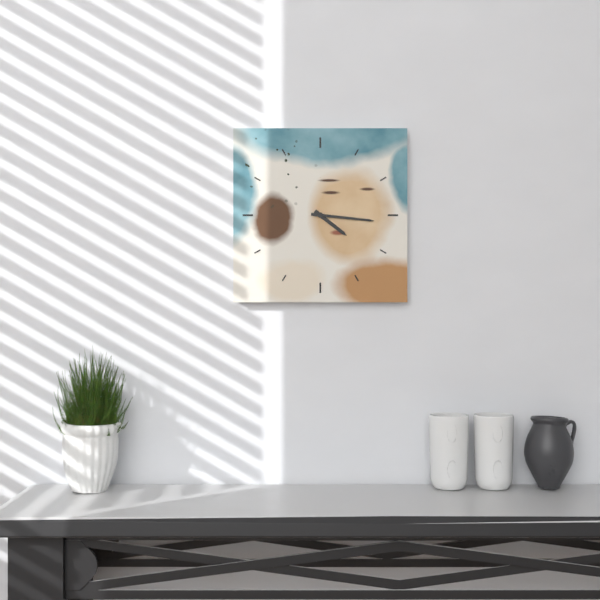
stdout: h=4 m=16
